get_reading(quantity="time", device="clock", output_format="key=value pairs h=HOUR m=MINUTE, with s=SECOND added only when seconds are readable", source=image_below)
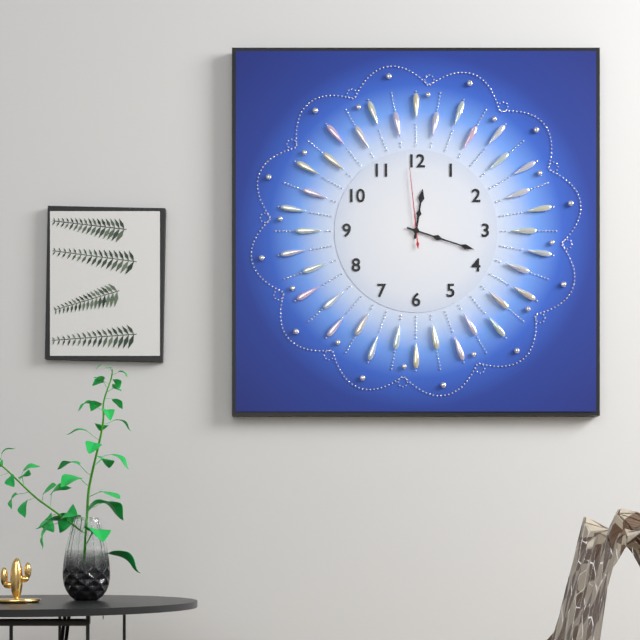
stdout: h=12 m=18 s=59
